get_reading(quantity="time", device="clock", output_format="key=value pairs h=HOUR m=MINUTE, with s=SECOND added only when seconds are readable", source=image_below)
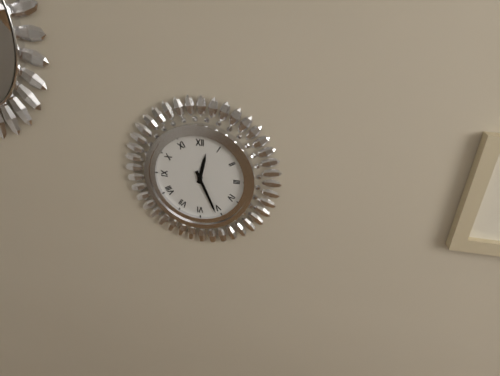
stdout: h=12 m=26
